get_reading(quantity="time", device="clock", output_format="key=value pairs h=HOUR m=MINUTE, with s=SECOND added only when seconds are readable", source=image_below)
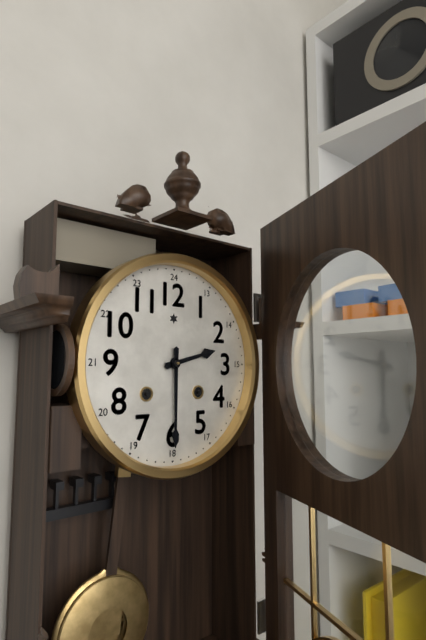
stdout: h=2 m=30
